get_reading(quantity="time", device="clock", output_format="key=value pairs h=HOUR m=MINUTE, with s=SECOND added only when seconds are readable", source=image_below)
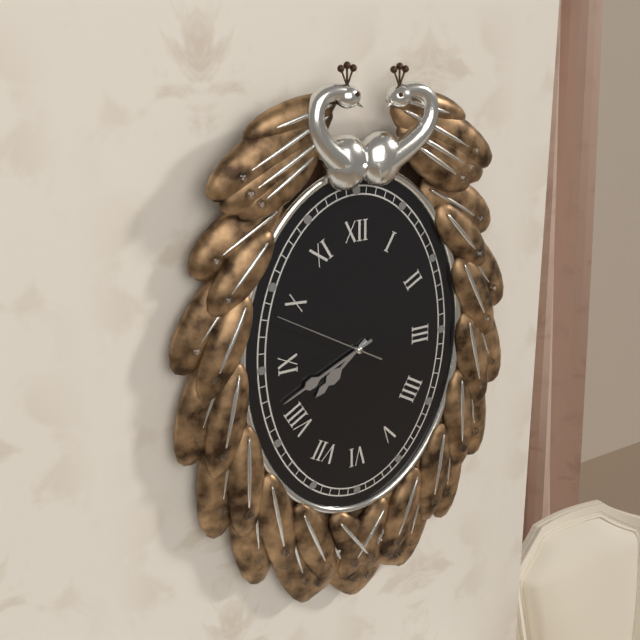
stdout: h=7 m=41 s=50
